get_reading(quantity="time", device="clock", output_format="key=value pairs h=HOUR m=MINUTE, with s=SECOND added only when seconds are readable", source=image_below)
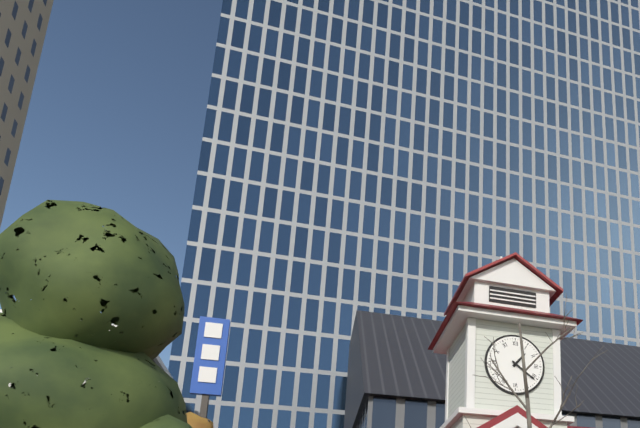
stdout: h=1 m=21
